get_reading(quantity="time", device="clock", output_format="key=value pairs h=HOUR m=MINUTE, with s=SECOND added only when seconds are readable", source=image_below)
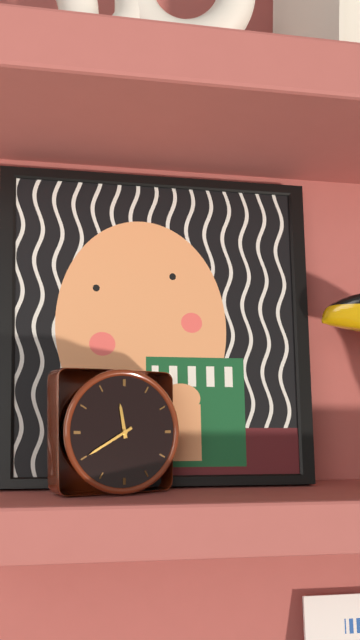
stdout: h=11 m=40
